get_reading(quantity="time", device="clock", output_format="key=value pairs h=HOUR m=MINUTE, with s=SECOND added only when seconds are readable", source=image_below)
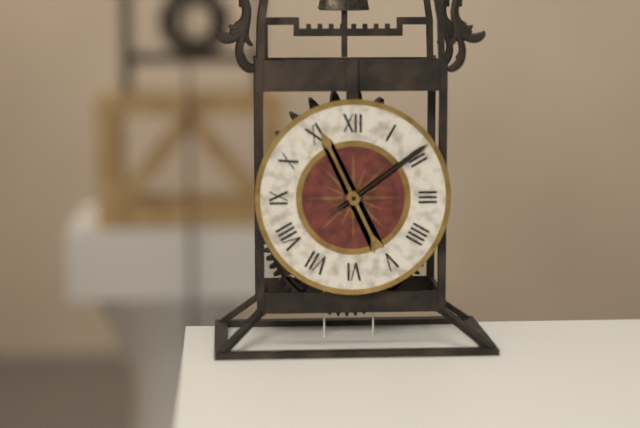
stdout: h=11 m=9
